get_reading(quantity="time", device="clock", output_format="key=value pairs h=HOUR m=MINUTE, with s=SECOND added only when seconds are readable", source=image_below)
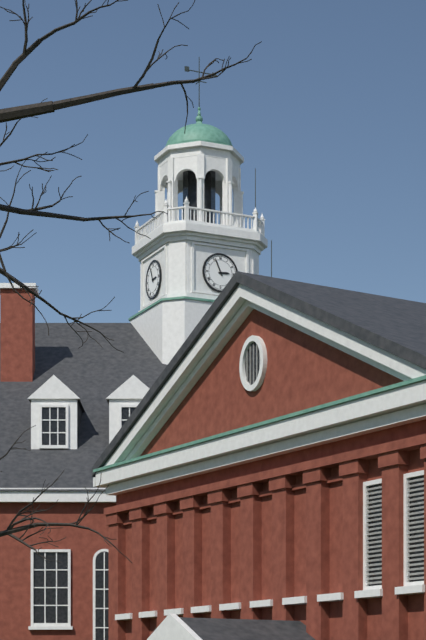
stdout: h=2 m=56
